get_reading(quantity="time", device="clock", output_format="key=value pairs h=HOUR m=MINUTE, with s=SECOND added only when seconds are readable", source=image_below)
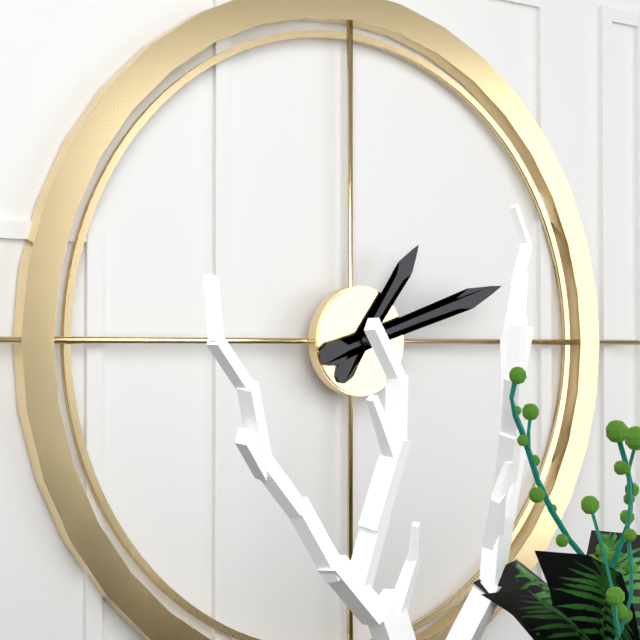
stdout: h=1 m=12
